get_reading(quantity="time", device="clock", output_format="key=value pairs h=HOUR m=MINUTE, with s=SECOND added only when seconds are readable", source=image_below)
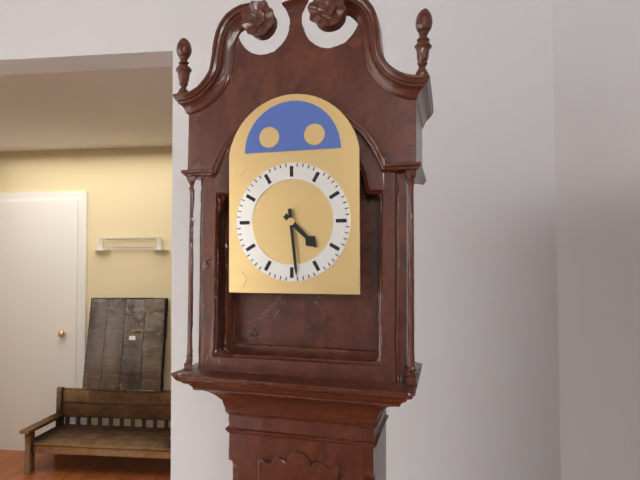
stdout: h=4 m=29
